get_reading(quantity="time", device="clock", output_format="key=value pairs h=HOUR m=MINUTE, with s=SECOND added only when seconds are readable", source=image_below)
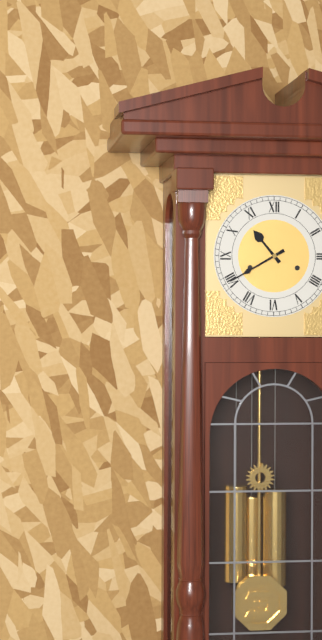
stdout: h=10 m=40
